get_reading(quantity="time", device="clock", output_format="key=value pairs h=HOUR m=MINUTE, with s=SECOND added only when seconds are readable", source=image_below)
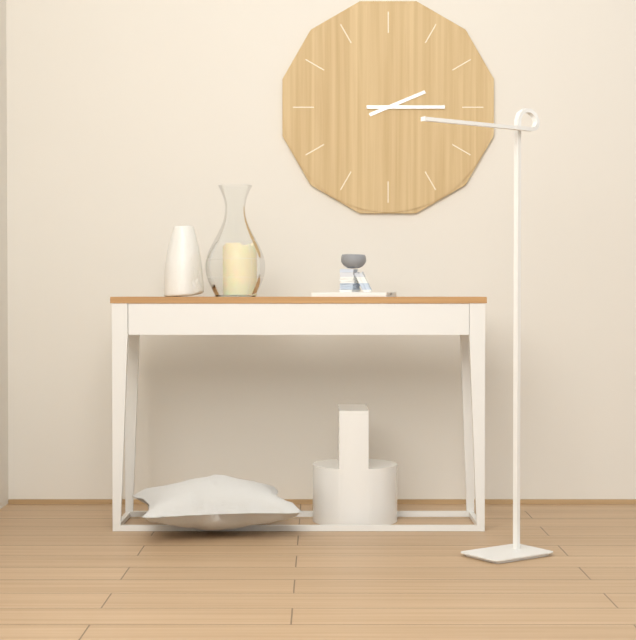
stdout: h=2 m=15
